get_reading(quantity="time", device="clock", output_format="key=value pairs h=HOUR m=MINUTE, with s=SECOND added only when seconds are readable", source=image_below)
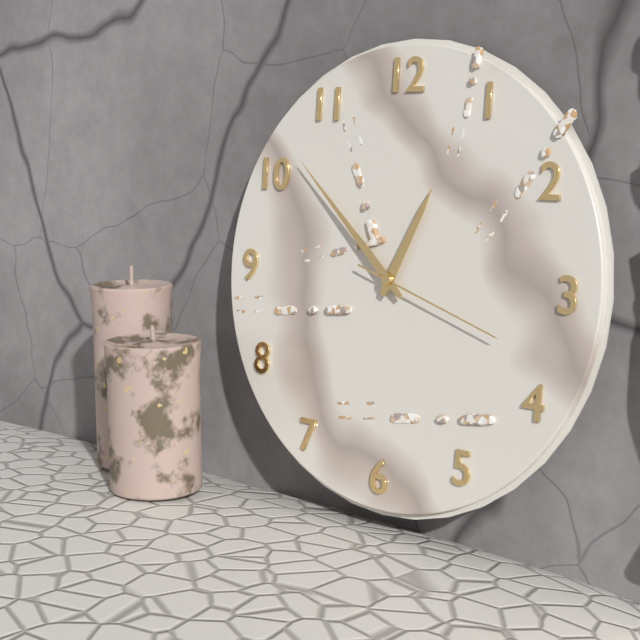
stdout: h=12 m=52 s=18
